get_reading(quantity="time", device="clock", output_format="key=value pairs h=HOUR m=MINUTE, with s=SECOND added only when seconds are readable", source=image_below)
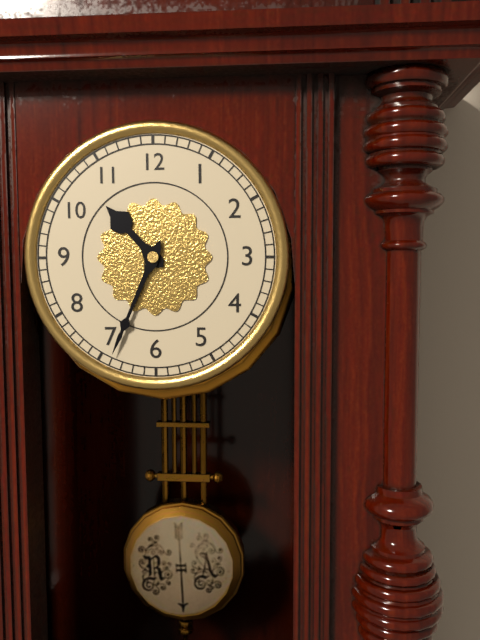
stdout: h=10 m=34
